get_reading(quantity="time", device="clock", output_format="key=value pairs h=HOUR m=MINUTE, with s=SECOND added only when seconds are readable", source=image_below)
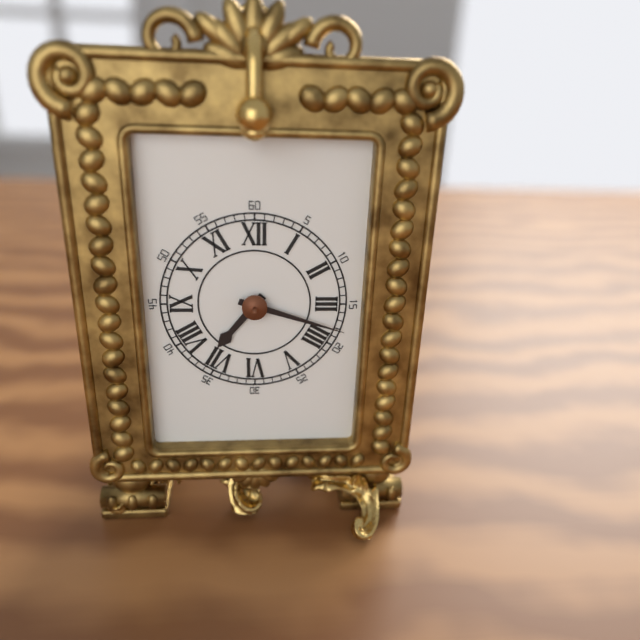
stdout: h=7 m=18
